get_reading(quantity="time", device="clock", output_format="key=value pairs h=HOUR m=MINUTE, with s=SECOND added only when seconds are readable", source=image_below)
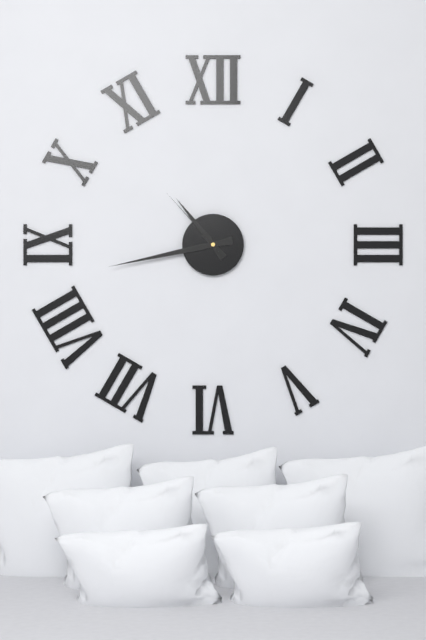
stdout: h=10 m=43 s=53
